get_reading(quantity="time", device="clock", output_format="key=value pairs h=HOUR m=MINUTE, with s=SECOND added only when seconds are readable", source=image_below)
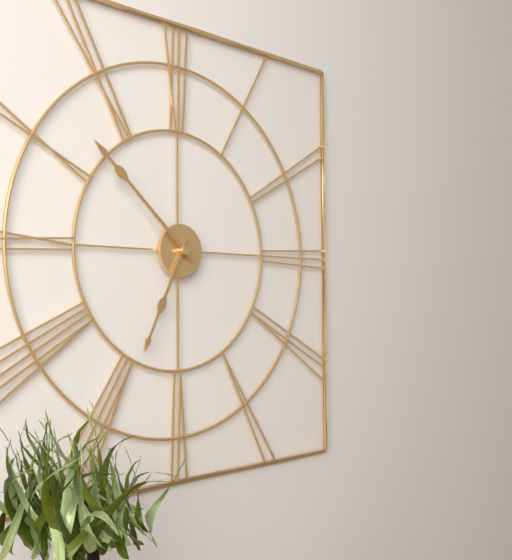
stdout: h=6 m=52
